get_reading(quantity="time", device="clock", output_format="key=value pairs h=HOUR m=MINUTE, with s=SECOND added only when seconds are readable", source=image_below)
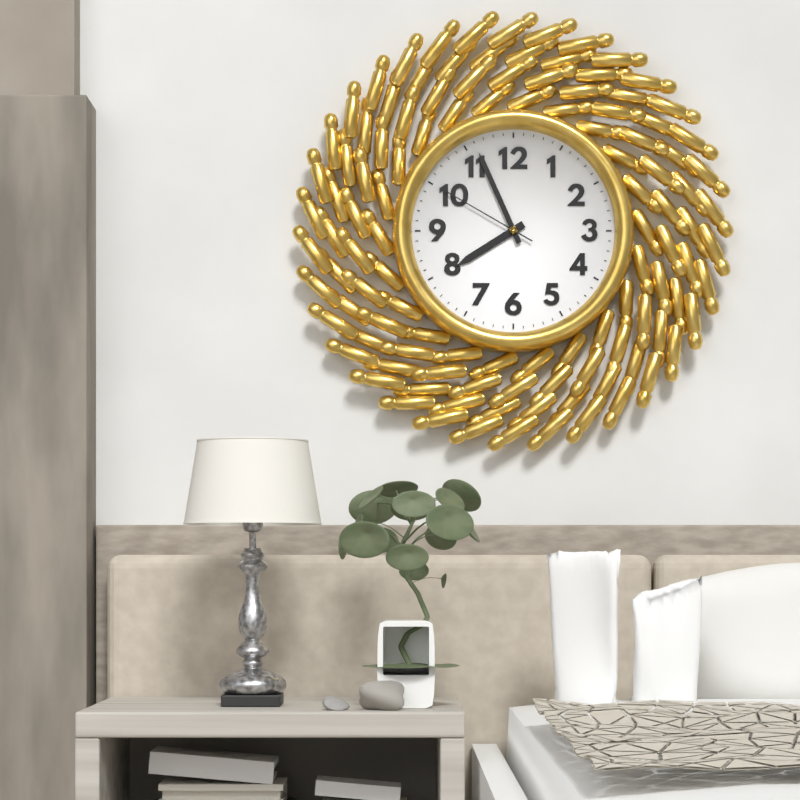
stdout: h=7 m=56 s=50
